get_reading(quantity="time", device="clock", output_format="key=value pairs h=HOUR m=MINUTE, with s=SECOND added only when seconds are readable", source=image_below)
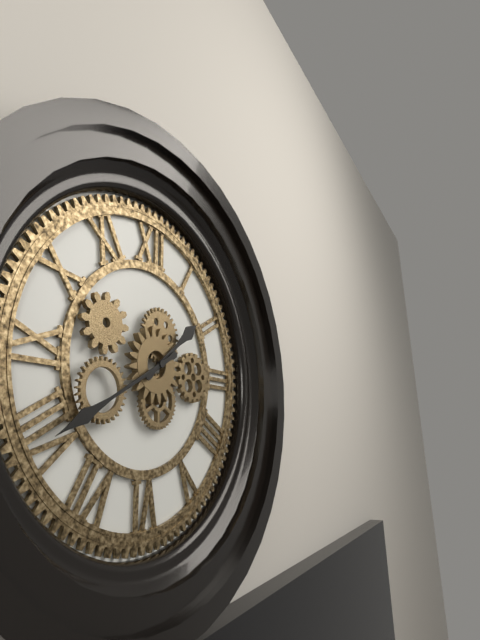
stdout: h=1 m=40
